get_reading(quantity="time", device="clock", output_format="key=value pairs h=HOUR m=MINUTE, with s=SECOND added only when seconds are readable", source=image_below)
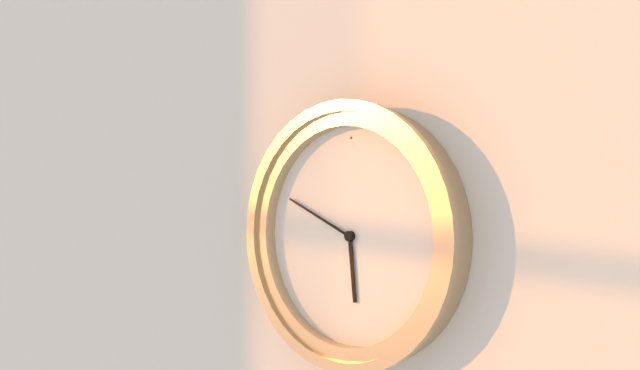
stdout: h=5 m=49
